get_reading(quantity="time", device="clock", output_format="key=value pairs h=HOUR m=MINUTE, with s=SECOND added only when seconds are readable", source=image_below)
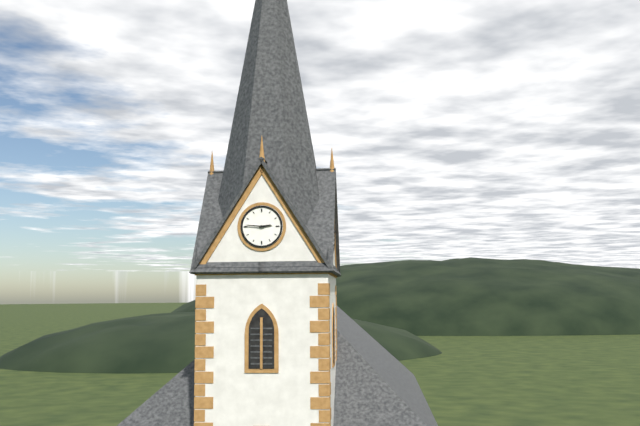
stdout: h=2 m=46
